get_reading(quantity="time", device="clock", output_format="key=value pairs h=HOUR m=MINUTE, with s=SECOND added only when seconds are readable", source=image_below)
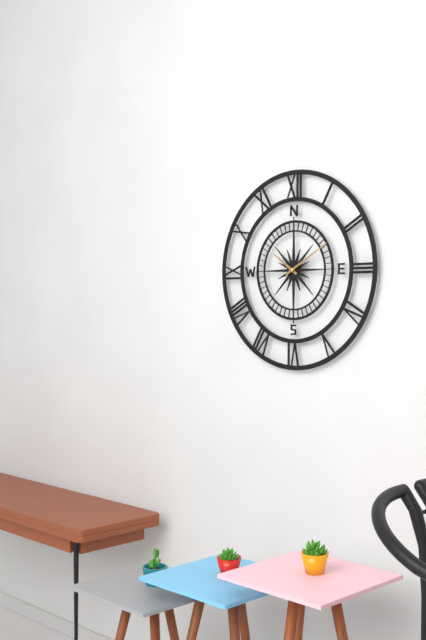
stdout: h=10 m=10
